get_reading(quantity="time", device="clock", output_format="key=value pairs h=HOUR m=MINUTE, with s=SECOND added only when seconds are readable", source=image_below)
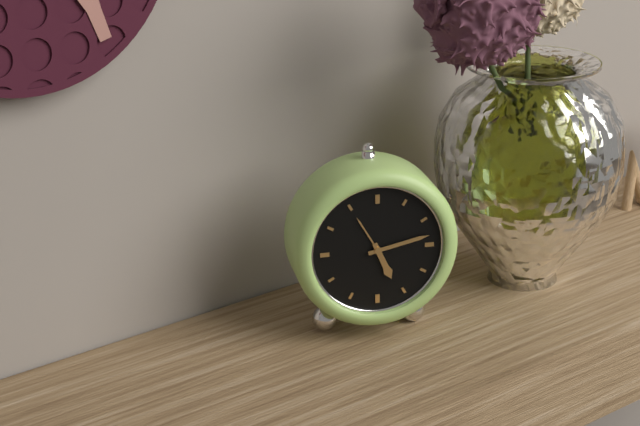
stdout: h=5 m=13
